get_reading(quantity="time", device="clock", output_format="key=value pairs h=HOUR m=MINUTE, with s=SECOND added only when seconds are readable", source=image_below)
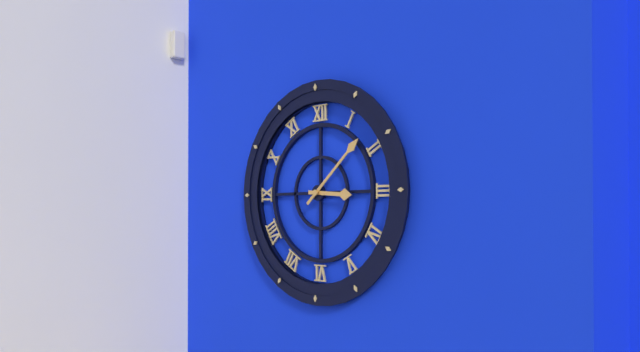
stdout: h=3 m=8
